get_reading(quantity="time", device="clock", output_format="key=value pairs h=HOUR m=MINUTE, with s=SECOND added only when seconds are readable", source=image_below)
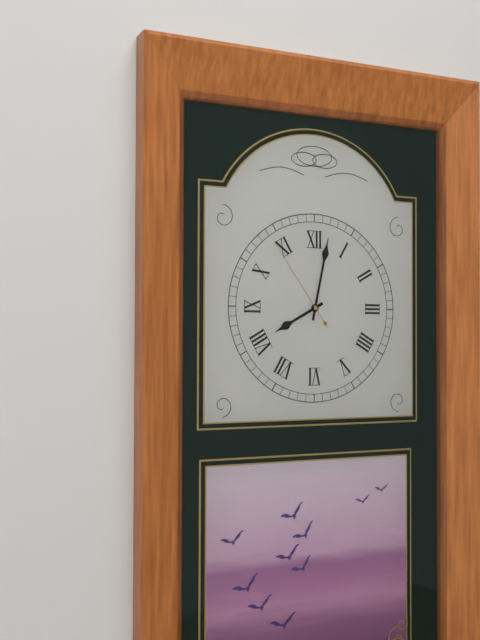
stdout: h=8 m=2 s=54
